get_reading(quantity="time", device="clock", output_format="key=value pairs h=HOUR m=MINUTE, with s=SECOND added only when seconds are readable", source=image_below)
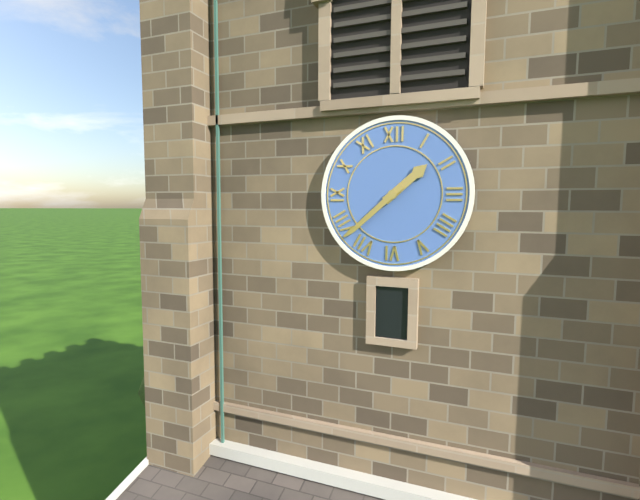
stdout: h=1 m=38
